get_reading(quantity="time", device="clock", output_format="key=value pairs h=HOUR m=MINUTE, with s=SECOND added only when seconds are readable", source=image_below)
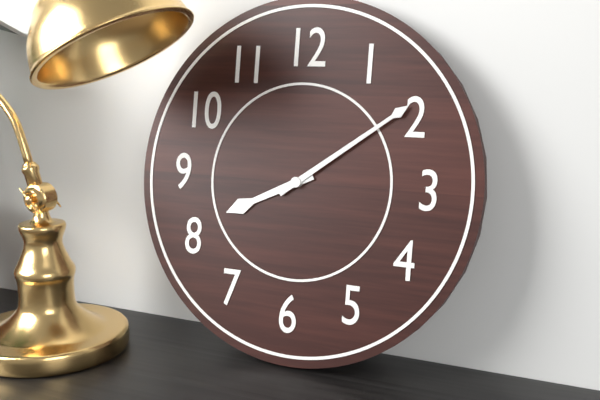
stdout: h=8 m=9
